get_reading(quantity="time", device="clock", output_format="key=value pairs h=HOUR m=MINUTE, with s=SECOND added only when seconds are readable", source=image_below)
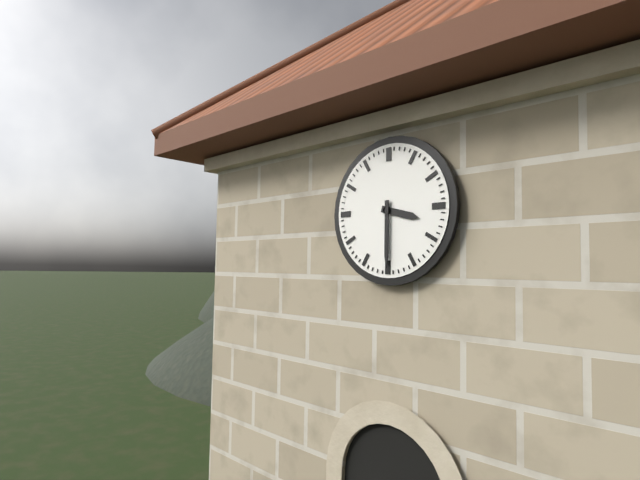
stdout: h=3 m=30
